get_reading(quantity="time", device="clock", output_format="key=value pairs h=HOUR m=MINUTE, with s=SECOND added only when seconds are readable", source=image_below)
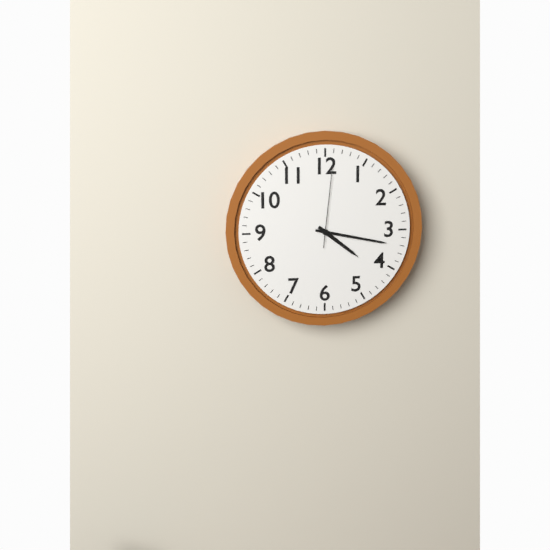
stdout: h=4 m=17 s=1
